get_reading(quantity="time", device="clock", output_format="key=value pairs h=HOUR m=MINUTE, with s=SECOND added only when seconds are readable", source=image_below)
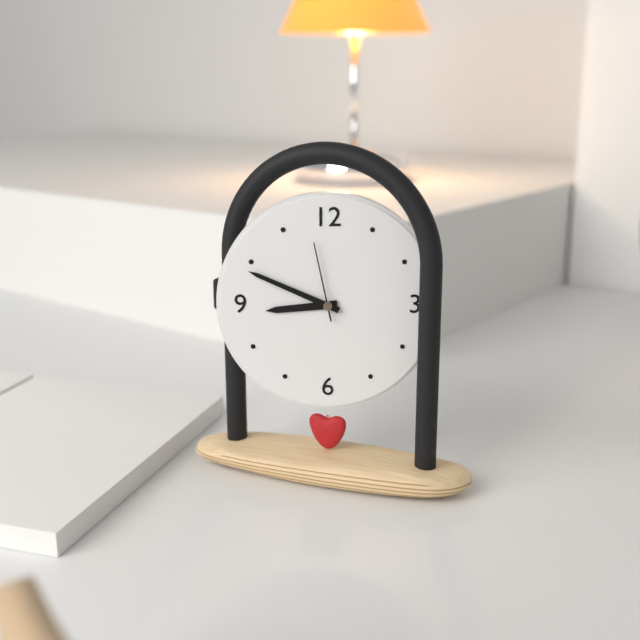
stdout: h=8 m=49 s=58
